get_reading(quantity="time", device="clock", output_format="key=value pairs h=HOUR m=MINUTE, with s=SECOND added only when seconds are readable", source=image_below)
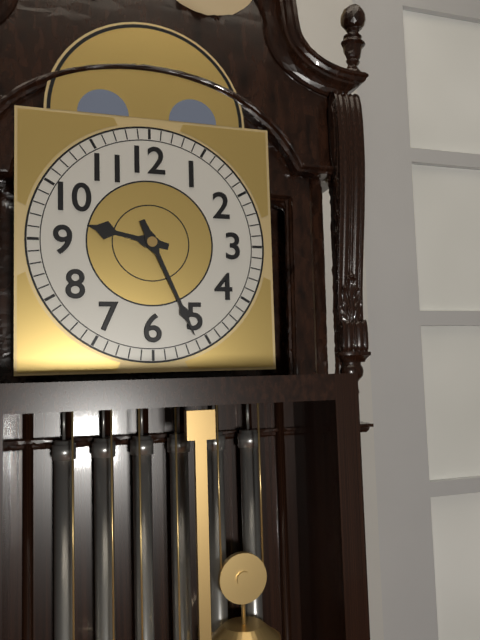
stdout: h=9 m=26
